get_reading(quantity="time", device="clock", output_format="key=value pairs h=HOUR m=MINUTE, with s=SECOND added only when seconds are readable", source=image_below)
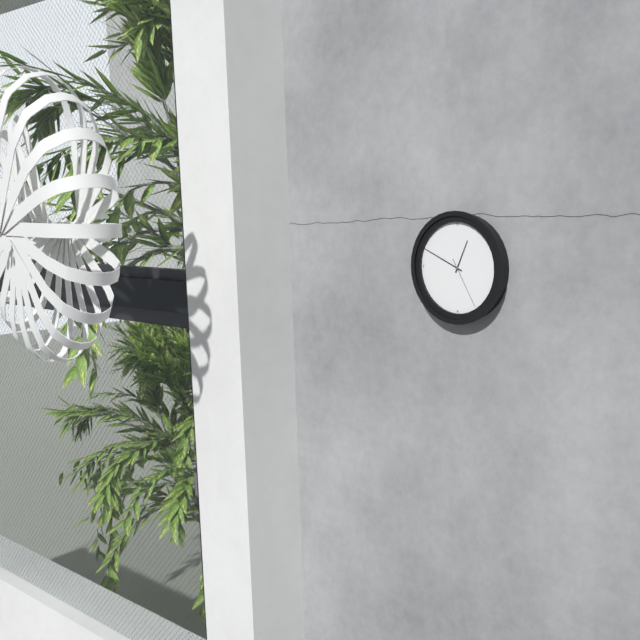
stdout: h=12 m=49 s=25
